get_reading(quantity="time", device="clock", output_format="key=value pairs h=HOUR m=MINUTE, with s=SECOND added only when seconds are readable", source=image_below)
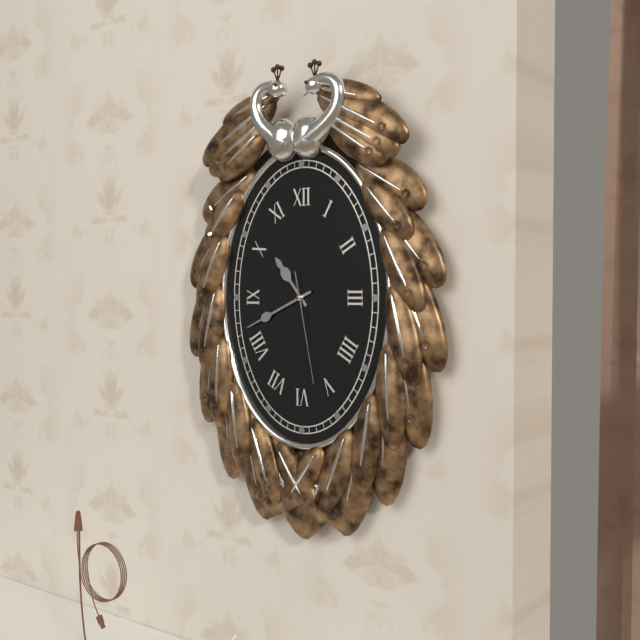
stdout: h=10 m=41 s=28
